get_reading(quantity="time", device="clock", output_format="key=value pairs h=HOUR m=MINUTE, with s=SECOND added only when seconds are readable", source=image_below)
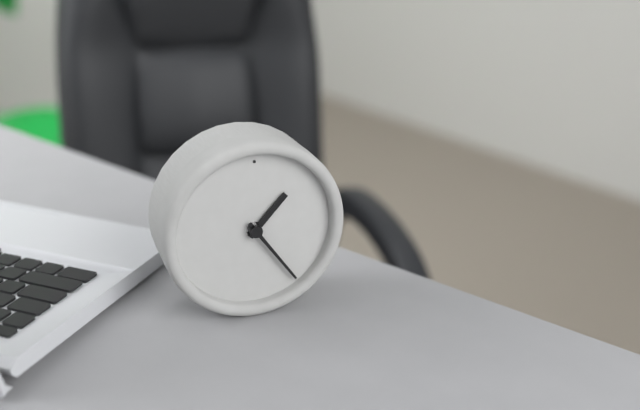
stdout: h=1 m=24
